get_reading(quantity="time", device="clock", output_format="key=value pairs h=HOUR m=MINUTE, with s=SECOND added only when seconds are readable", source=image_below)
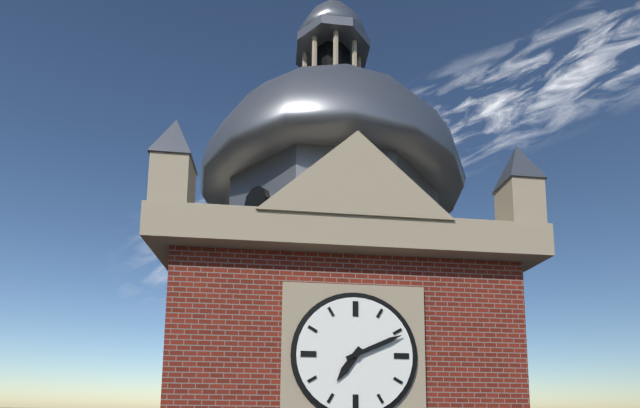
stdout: h=7 m=11
